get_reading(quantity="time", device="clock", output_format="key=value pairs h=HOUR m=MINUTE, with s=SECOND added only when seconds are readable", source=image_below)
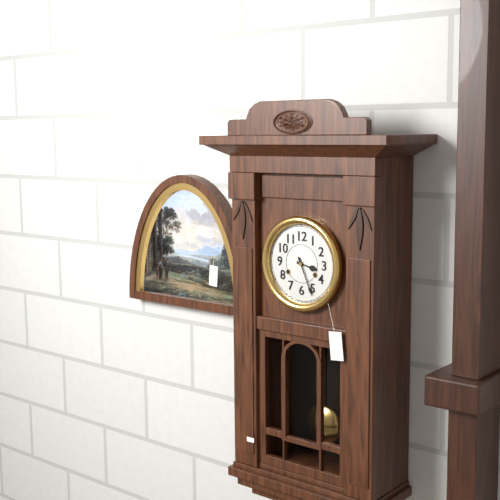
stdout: h=3 m=26
